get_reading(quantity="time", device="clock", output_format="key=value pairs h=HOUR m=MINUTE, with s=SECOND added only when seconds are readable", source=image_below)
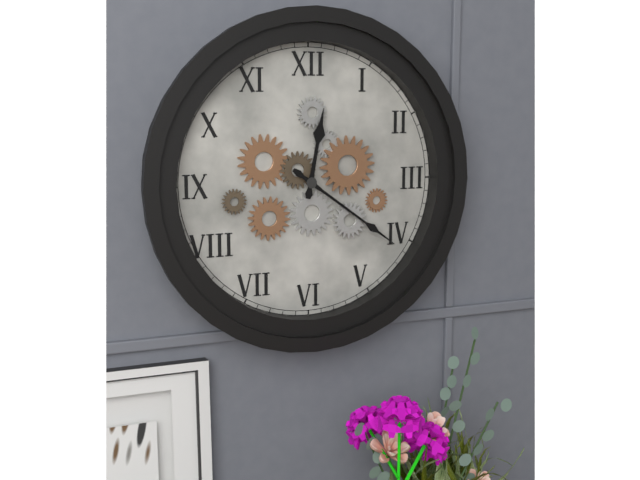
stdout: h=12 m=21
